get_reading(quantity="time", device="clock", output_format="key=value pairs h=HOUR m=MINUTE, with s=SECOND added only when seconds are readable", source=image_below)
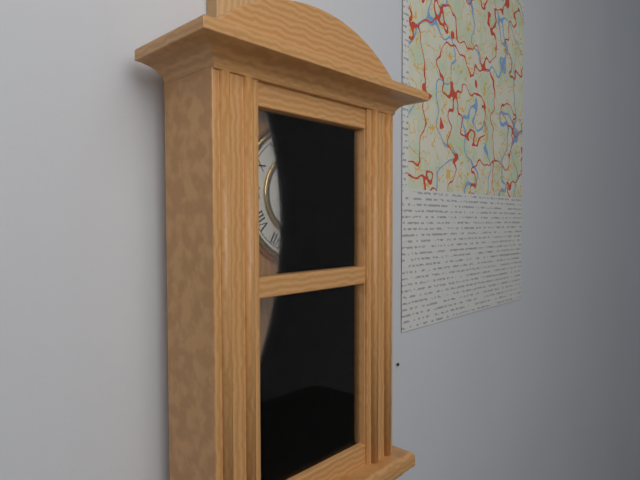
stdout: h=11 m=33
